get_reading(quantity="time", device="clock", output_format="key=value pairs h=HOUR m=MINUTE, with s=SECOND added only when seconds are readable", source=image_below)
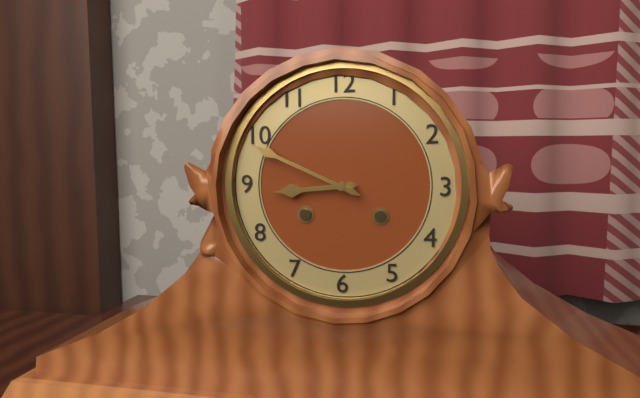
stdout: h=8 m=49
